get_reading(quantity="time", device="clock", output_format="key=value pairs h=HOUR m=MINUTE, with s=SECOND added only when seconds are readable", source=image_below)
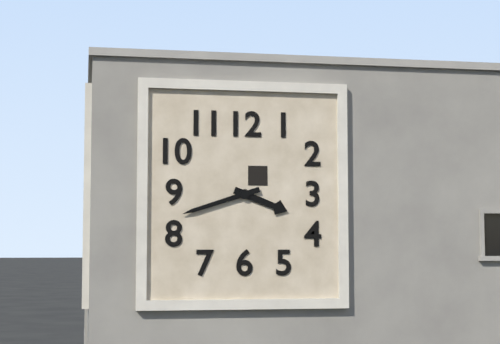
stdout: h=3 m=42
